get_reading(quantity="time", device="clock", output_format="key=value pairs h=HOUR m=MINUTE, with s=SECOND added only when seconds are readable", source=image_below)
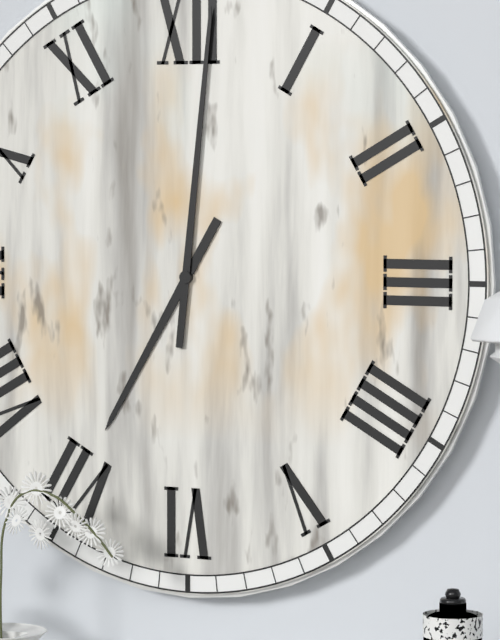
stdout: h=7 m=1
